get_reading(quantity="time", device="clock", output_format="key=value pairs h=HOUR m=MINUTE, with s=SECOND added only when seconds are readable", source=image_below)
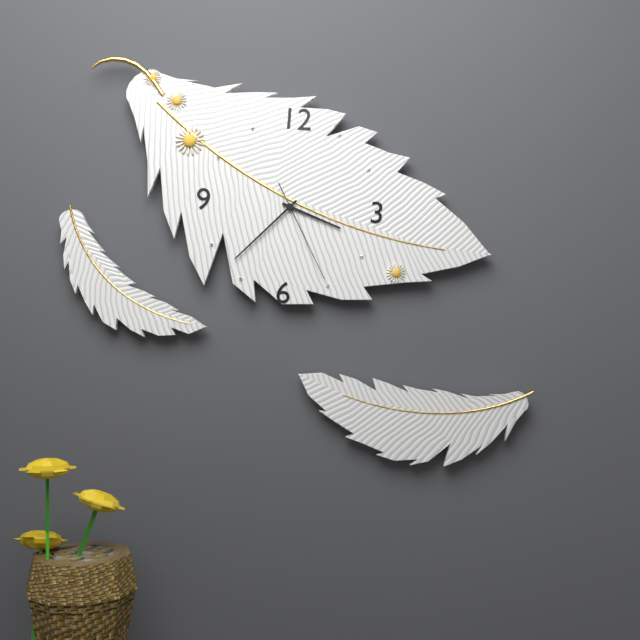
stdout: h=3 m=37 s=25
